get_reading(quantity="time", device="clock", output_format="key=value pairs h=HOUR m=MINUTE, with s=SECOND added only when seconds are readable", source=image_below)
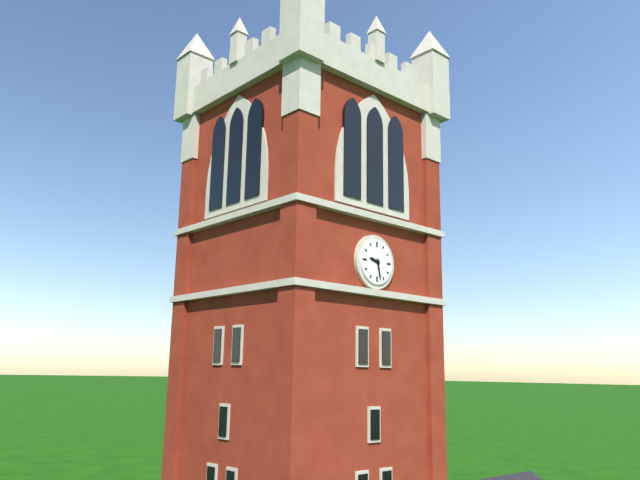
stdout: h=9 m=28
